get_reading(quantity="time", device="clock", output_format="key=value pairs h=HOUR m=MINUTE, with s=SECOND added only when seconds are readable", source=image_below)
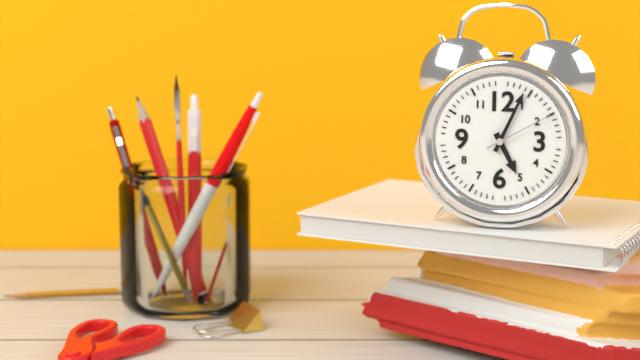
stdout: h=5 m=4 s=10
